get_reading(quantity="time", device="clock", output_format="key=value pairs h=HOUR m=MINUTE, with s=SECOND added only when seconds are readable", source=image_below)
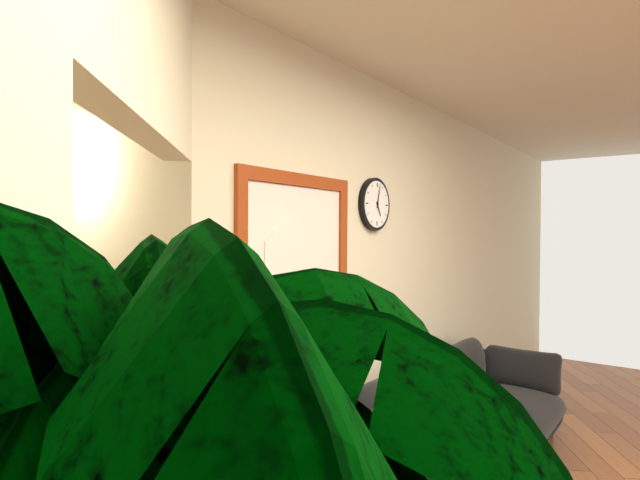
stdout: h=5 m=2
